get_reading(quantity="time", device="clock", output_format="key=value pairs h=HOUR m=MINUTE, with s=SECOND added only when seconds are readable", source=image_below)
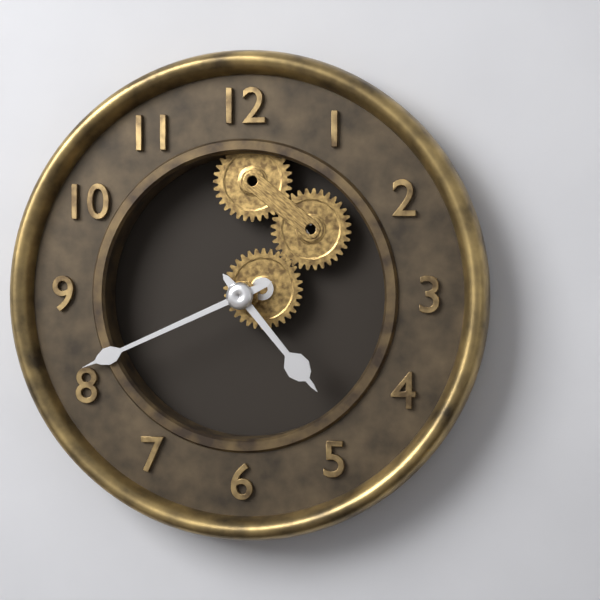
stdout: h=4 m=41
